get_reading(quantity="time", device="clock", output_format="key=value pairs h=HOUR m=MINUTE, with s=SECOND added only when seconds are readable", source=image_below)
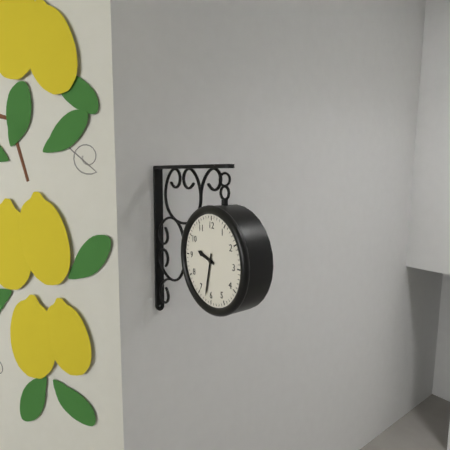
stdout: h=9 m=32
